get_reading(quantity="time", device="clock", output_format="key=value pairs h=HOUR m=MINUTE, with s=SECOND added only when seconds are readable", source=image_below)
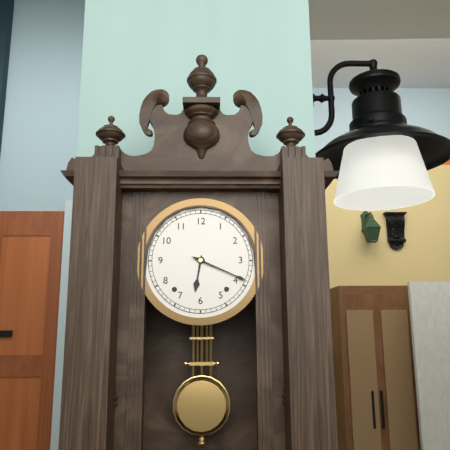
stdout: h=6 m=19
